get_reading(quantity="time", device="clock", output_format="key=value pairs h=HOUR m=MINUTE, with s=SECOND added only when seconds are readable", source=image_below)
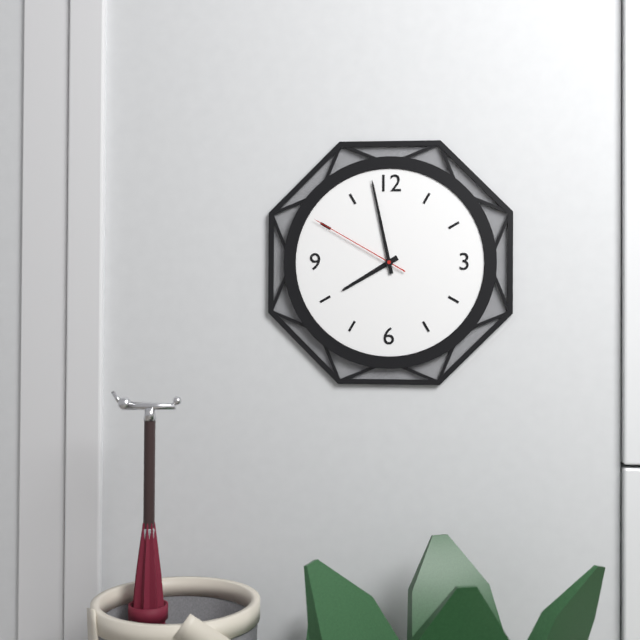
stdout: h=7 m=58 s=50
